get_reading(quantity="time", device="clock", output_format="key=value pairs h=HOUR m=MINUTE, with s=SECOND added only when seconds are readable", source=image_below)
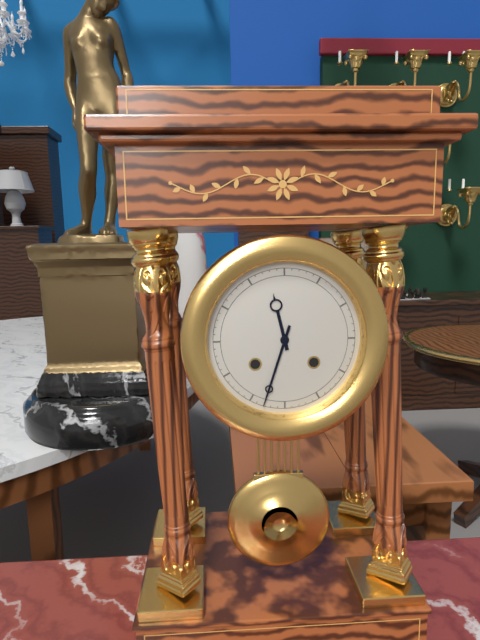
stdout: h=11 m=33
